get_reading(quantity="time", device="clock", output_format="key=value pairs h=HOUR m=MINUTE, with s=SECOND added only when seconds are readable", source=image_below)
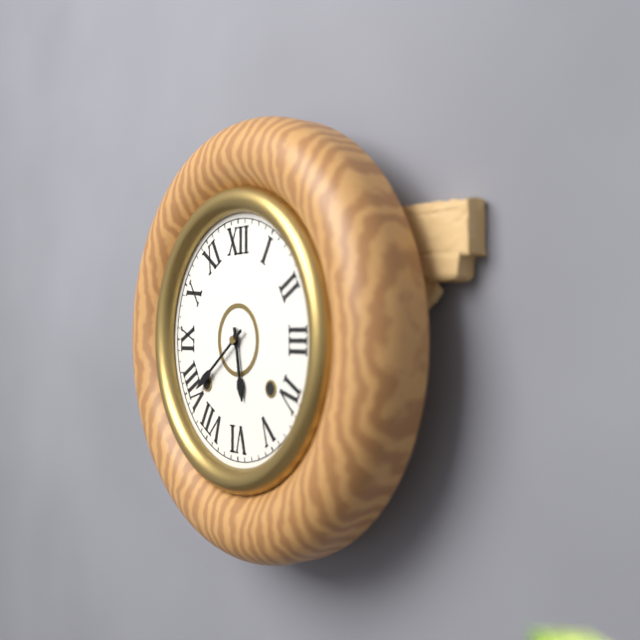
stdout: h=5 m=39
